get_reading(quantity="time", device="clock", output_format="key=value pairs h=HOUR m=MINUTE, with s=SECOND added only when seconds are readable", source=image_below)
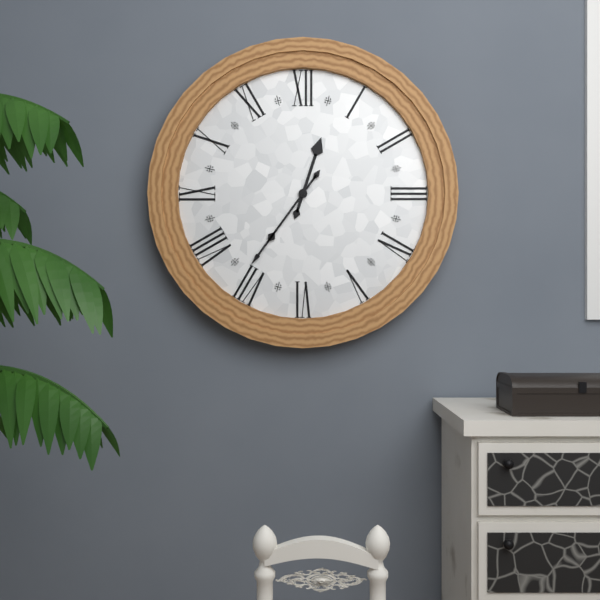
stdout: h=12 m=36
